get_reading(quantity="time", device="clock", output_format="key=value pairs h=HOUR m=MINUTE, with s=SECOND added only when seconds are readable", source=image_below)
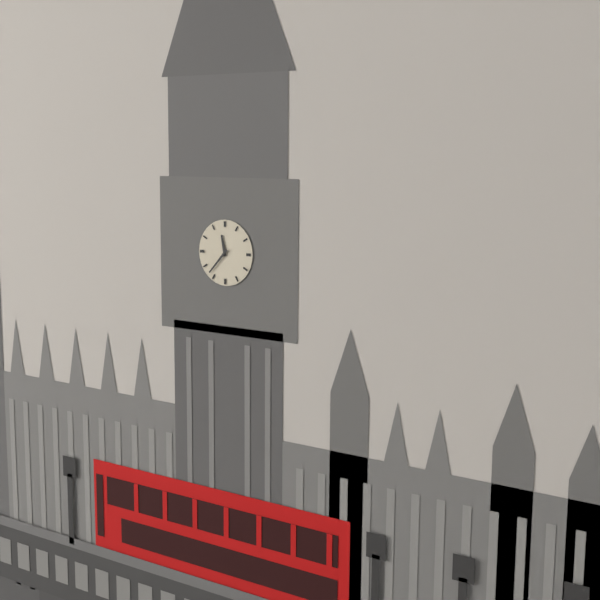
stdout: h=11 m=37
